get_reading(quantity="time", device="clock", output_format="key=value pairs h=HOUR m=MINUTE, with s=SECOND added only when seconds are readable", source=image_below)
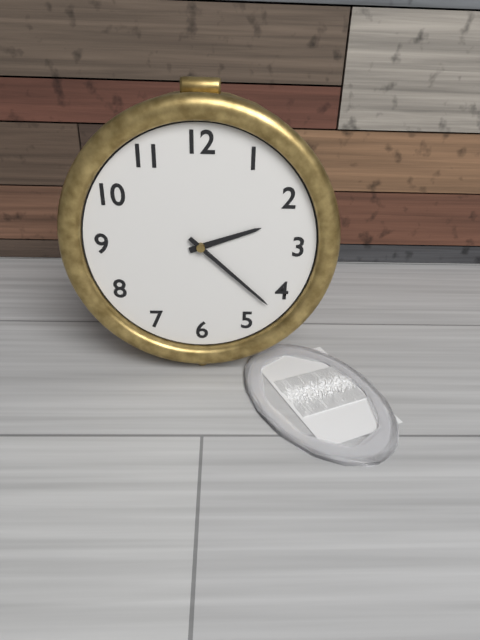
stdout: h=2 m=22
